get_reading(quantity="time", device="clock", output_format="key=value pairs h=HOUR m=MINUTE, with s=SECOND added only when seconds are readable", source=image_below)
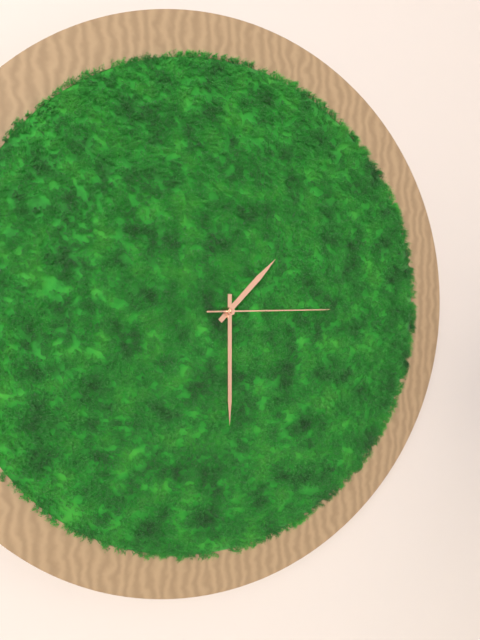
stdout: h=1 m=30 s=15
